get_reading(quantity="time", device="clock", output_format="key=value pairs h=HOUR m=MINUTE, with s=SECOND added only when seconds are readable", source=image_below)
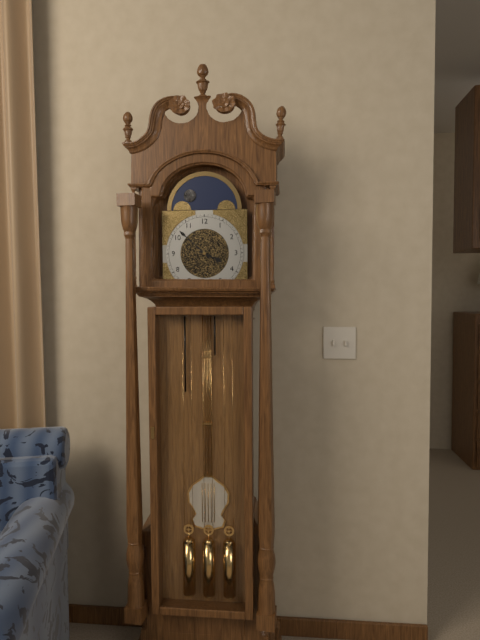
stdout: h=3 m=52
